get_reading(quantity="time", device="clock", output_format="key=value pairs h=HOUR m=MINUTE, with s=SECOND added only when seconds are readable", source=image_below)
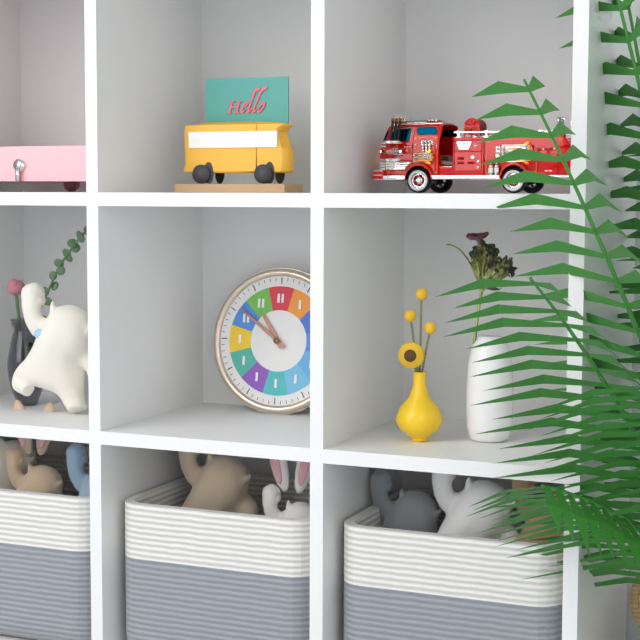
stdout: h=10 m=51
